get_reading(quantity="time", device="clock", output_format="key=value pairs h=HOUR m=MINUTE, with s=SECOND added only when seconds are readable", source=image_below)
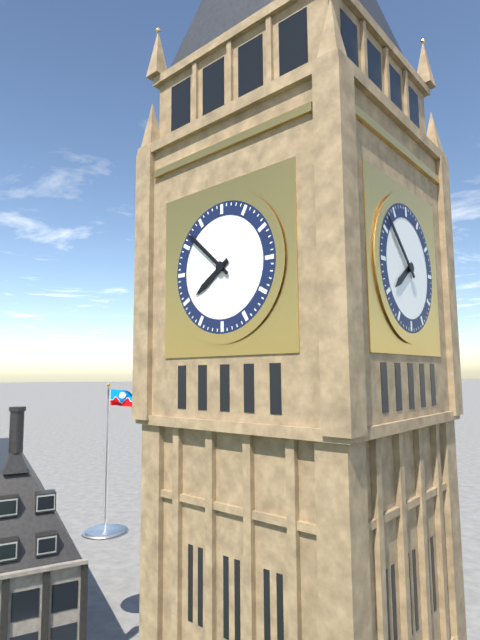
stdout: h=7 m=52
